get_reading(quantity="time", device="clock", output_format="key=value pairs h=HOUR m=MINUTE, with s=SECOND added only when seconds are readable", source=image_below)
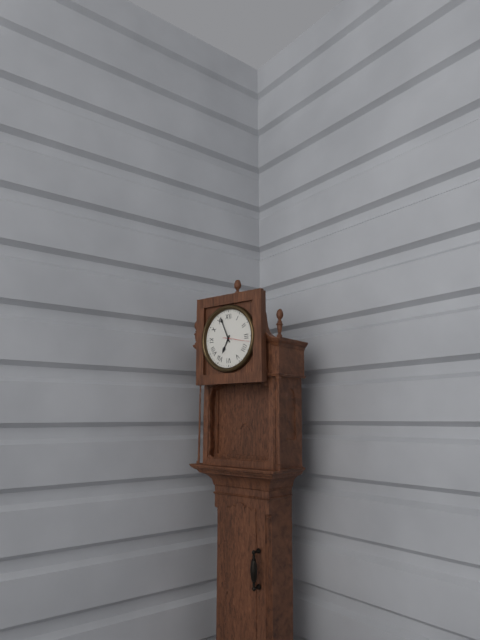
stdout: h=6 m=56
